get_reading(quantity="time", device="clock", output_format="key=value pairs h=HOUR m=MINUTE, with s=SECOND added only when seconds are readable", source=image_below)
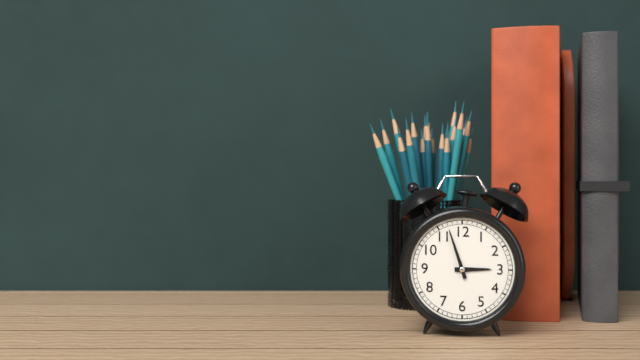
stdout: h=2 m=57
